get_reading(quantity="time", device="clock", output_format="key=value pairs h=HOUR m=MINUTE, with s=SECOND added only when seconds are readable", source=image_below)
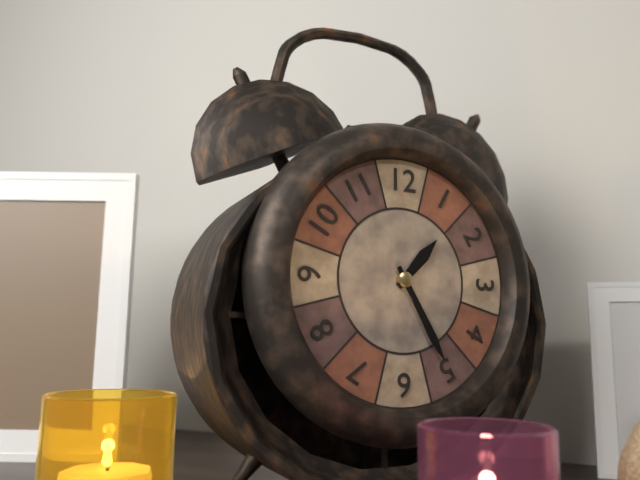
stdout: h=1 m=25
